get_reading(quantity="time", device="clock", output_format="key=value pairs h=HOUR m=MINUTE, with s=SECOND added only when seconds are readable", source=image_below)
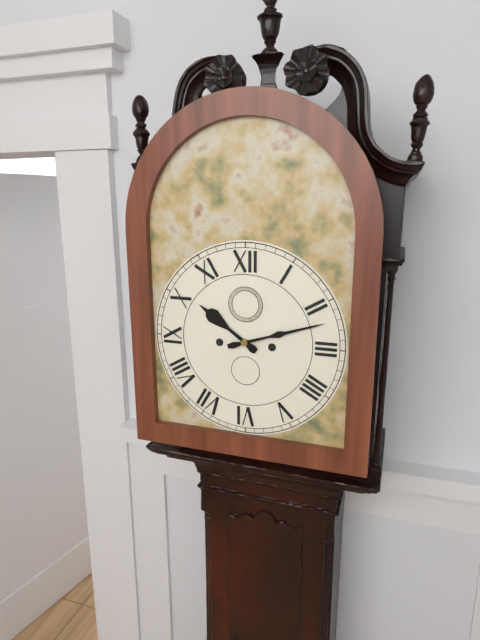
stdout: h=10 m=12
